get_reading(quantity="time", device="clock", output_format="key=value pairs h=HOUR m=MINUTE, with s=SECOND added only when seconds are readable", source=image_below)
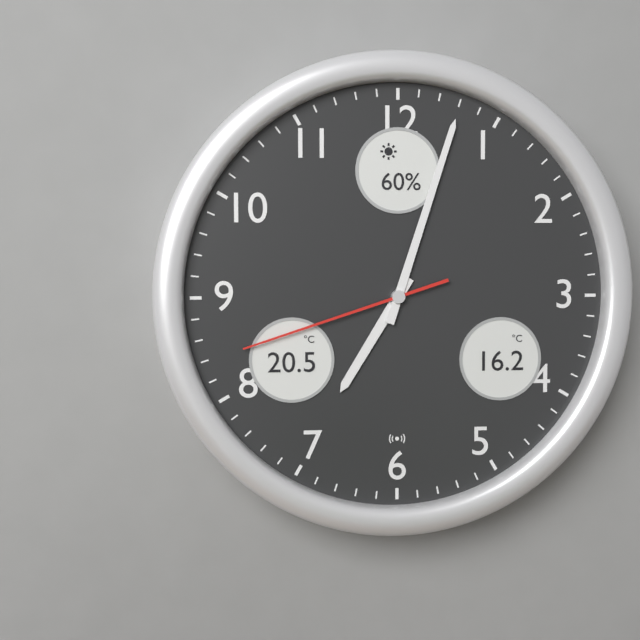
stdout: h=7 m=3 s=42
